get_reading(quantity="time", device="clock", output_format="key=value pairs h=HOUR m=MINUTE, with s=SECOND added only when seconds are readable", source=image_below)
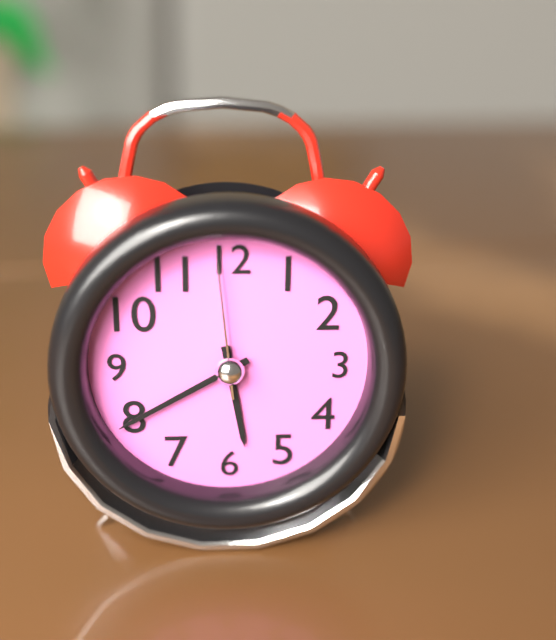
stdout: h=5 m=40 s=59
